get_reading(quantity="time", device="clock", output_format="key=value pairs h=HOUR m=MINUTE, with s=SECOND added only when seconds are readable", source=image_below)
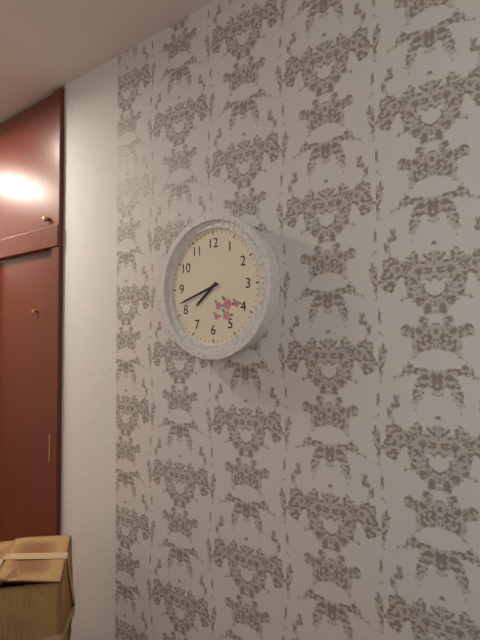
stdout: h=7 m=42
